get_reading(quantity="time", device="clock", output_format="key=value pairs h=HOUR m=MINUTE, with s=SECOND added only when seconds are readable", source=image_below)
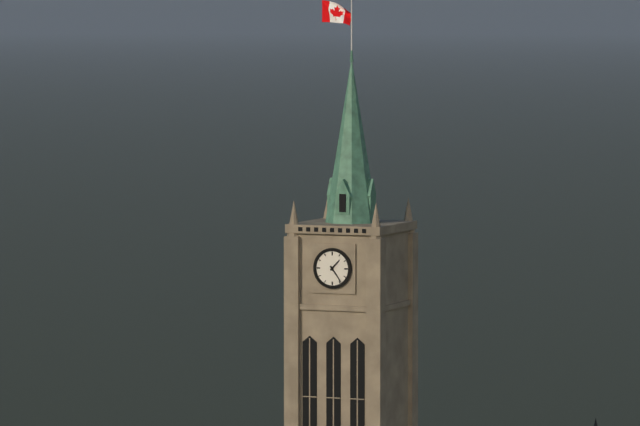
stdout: h=1 m=24
